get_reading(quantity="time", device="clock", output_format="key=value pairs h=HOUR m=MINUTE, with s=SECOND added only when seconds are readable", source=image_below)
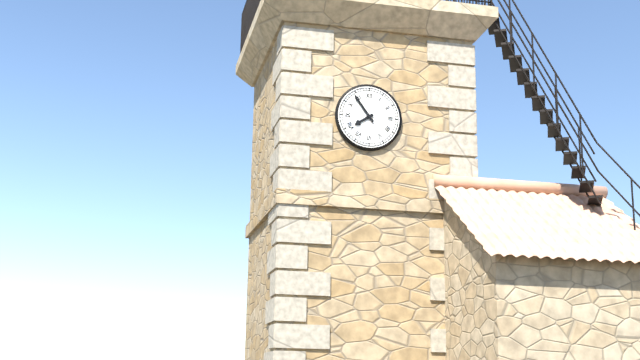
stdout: h=7 m=54
